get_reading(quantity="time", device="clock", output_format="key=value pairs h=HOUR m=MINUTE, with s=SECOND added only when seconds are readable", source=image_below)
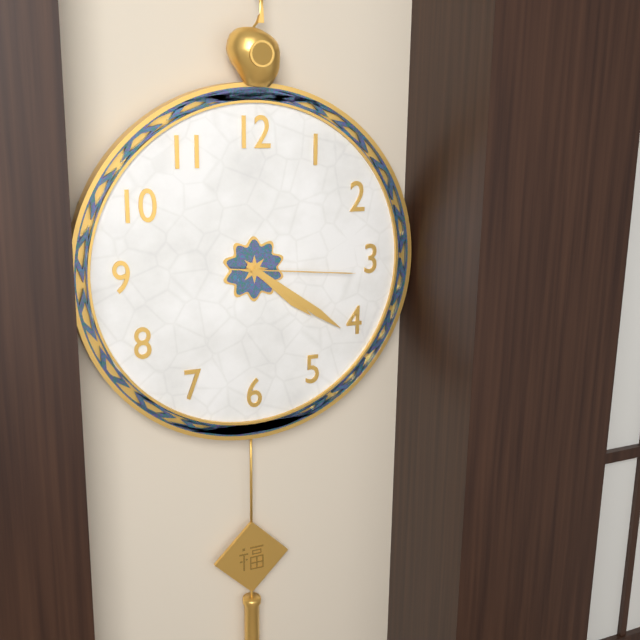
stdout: h=4 m=21 s=16
